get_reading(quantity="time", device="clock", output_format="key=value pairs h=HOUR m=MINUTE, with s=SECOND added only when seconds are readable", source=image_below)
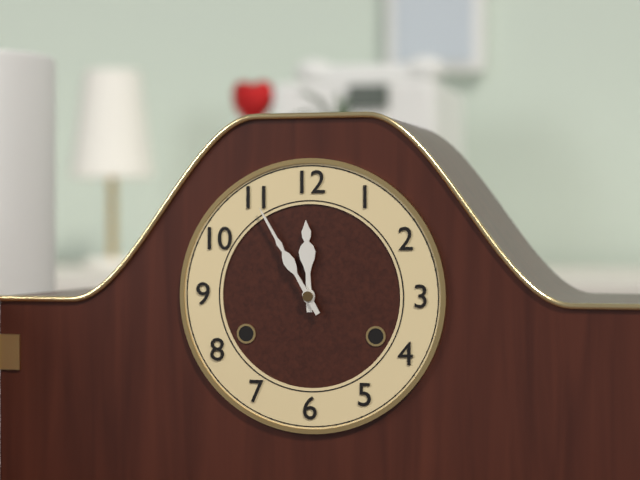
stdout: h=11 m=55
